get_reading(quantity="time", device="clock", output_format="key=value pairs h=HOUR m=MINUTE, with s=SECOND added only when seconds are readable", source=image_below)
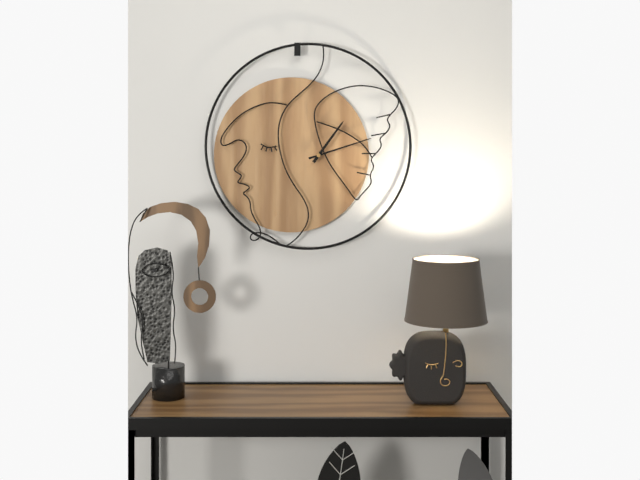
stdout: h=1 m=12
